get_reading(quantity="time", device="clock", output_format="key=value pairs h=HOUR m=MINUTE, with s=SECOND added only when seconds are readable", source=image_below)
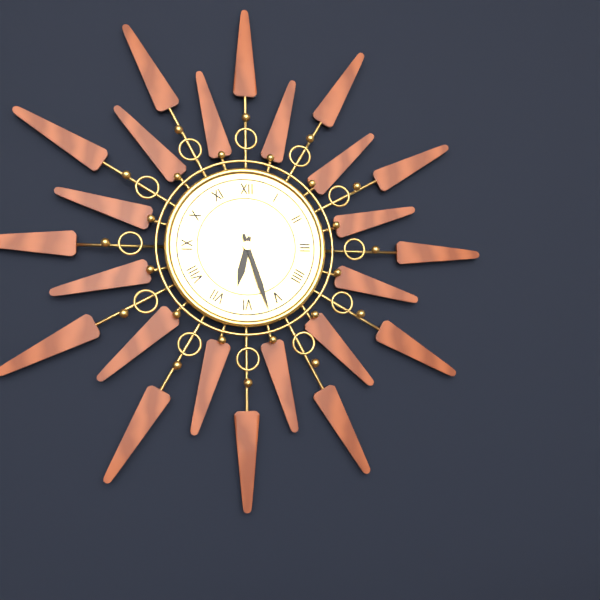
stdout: h=6 m=27
